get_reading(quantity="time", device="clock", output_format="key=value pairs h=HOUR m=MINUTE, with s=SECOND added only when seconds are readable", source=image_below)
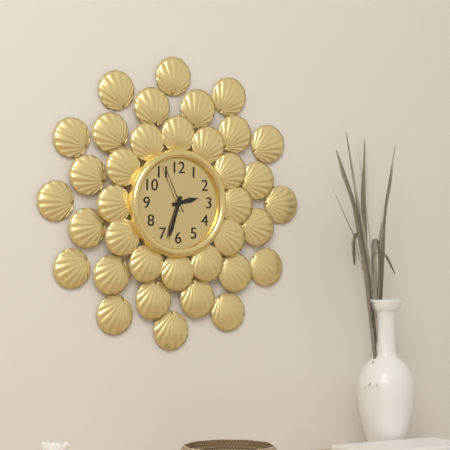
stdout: h=2 m=33
